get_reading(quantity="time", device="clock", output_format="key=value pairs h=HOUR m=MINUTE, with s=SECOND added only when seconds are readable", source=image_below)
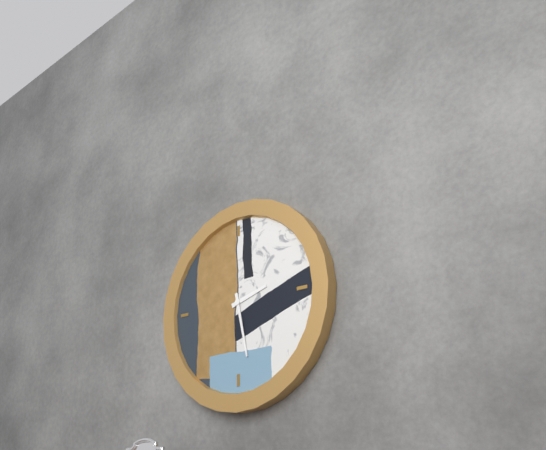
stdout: h=2 m=28
